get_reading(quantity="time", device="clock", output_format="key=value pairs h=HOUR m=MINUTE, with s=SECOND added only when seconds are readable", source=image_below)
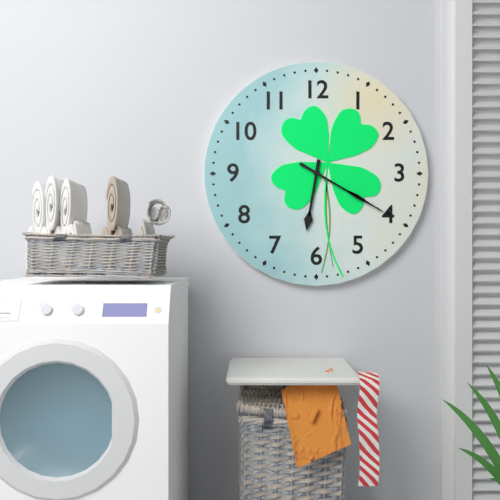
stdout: h=6 m=20
